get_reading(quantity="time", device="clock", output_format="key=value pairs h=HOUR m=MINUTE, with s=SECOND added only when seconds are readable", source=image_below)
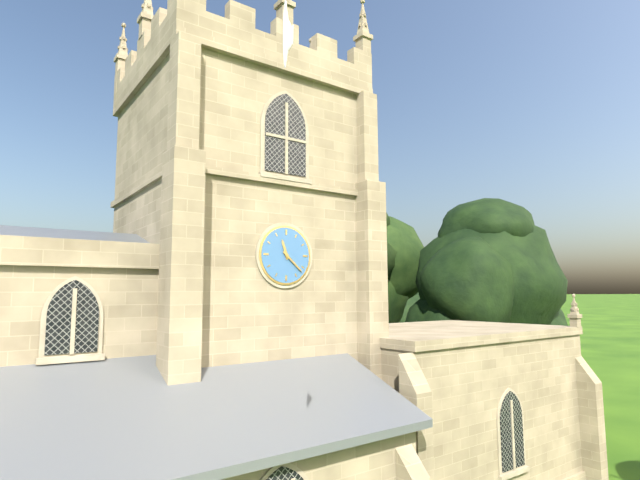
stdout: h=11 m=22
